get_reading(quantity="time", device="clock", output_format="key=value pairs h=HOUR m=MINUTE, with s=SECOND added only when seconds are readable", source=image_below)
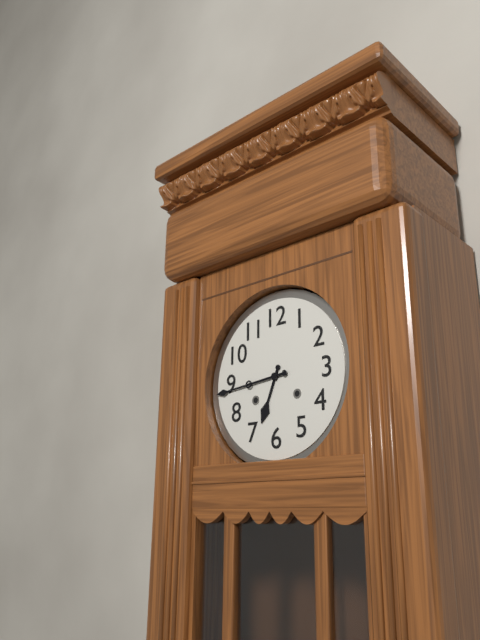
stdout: h=6 m=44
